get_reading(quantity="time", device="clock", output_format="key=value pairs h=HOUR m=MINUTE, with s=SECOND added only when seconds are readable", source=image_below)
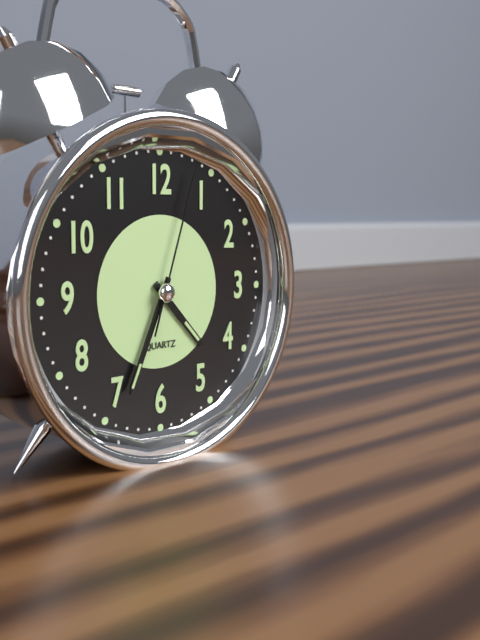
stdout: h=4 m=34 s=3
